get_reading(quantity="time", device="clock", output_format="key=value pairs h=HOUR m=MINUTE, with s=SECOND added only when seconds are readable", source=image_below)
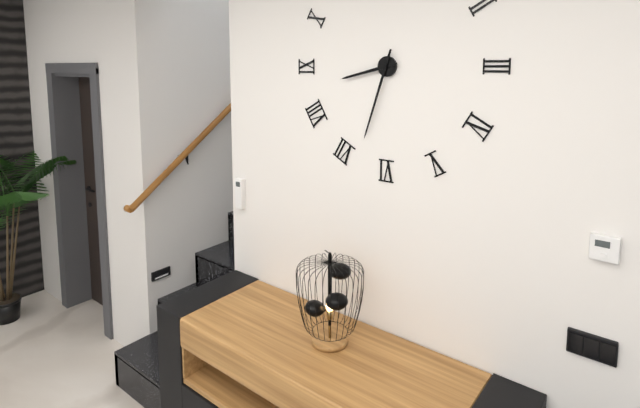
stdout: h=8 m=33
